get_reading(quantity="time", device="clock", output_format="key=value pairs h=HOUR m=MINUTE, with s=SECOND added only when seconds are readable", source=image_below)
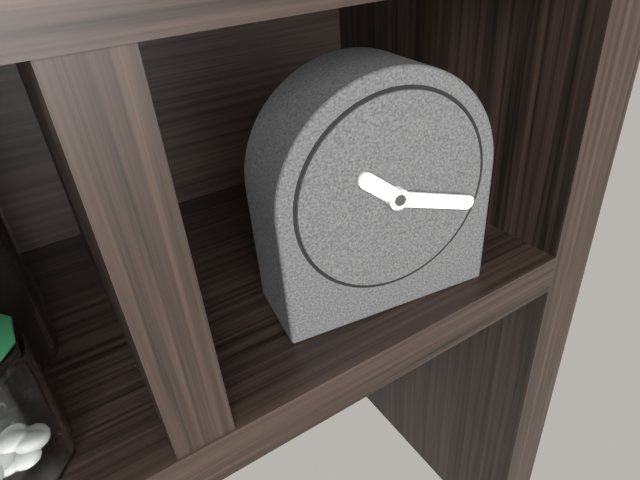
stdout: h=10 m=18
